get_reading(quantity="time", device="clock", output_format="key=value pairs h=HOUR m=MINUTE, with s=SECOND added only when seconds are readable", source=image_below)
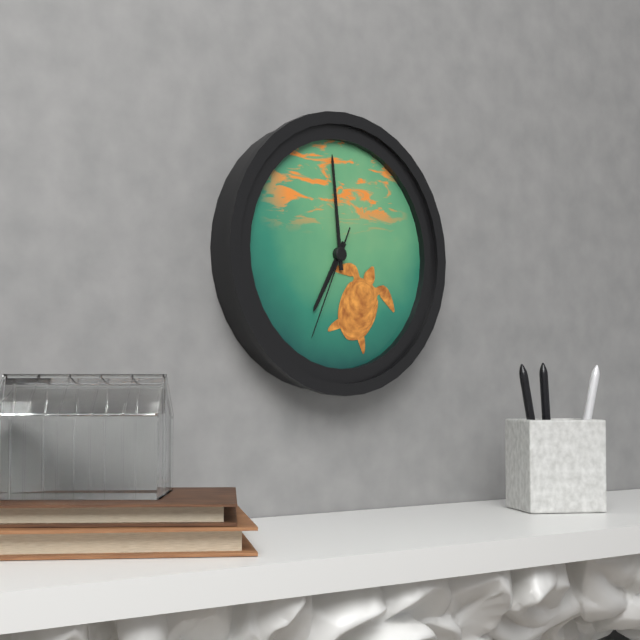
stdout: h=6 m=59 s=34
